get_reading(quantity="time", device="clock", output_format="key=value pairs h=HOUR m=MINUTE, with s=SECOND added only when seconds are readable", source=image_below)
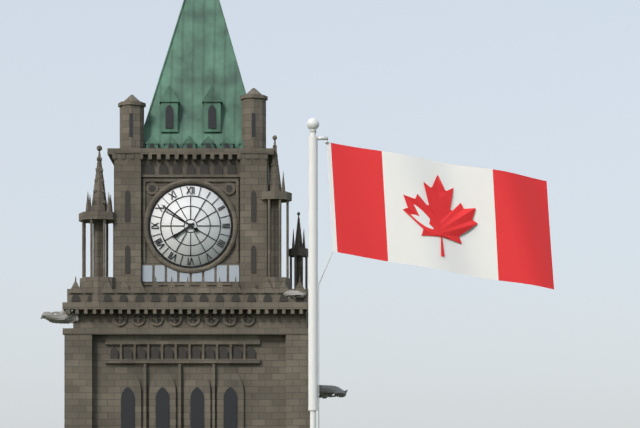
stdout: h=7 m=51
